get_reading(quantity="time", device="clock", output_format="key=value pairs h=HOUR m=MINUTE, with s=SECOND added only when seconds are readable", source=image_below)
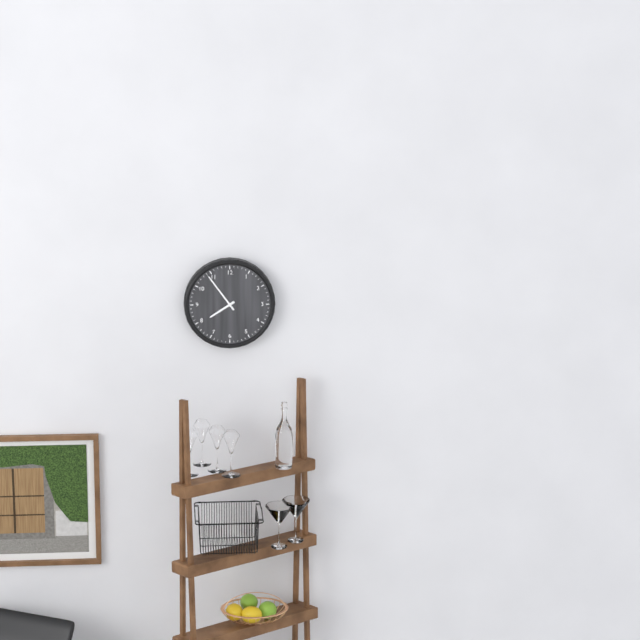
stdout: h=7 m=54
